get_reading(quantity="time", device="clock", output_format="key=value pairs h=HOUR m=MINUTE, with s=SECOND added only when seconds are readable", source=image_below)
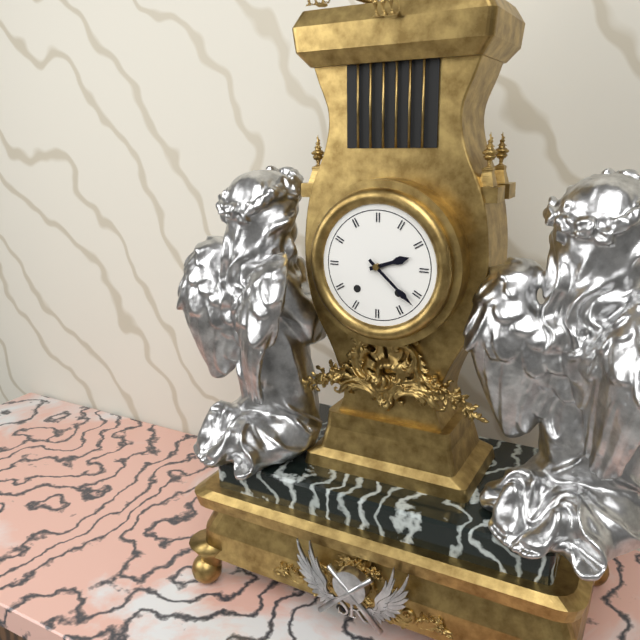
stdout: h=2 m=22
